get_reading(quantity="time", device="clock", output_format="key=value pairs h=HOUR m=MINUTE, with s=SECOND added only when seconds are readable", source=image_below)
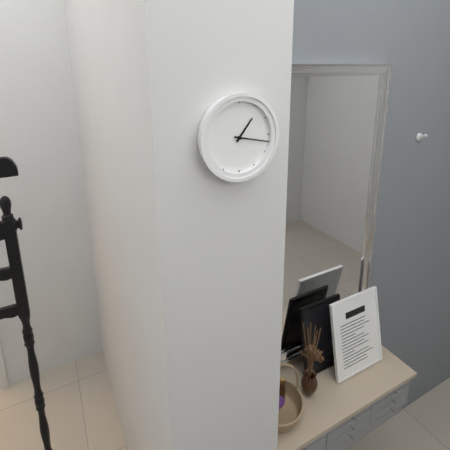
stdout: h=1 m=17
